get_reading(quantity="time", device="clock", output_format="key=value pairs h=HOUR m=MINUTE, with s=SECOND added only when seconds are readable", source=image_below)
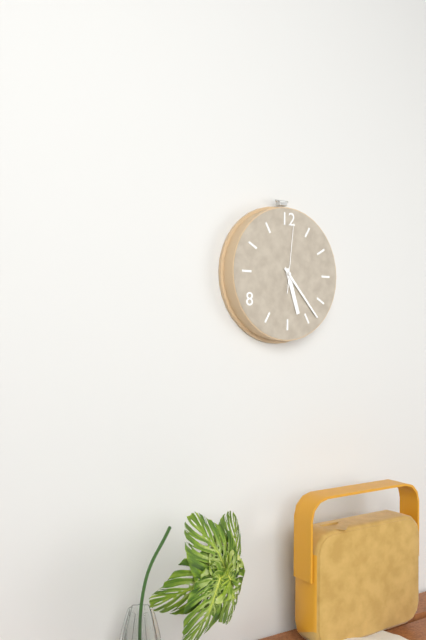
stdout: h=5 m=23 s=1
